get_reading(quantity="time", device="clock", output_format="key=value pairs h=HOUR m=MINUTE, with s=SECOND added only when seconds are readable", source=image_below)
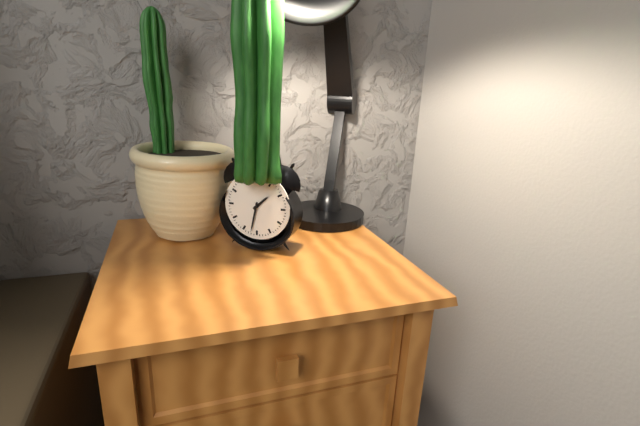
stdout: h=1 m=32
